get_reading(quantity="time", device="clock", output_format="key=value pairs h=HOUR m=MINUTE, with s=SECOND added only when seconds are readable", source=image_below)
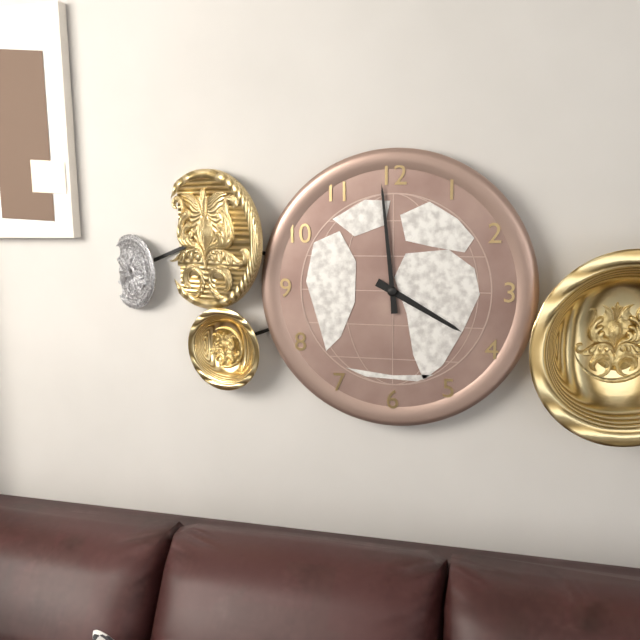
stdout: h=3 m=59
